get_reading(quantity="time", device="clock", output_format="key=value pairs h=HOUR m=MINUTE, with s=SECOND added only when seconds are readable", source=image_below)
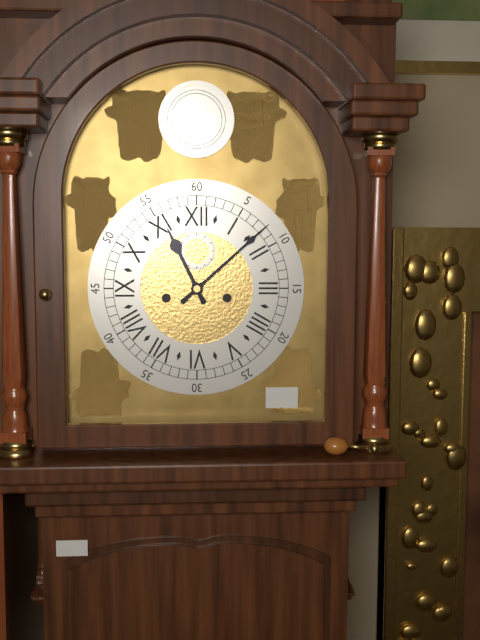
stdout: h=11 m=8
